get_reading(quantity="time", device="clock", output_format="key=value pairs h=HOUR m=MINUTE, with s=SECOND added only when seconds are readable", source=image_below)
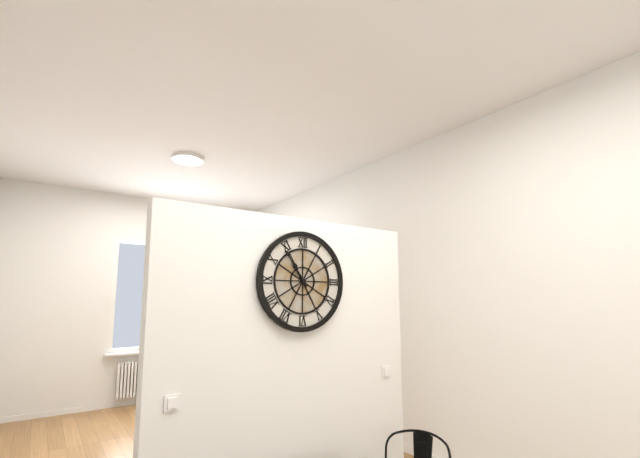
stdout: h=10 m=54
